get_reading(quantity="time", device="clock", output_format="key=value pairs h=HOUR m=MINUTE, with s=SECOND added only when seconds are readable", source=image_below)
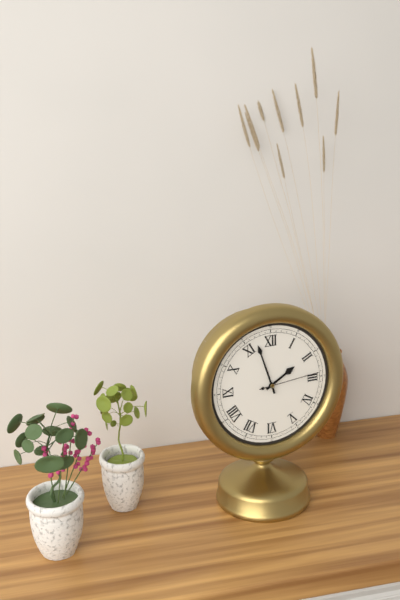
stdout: h=1 m=57 s=14
